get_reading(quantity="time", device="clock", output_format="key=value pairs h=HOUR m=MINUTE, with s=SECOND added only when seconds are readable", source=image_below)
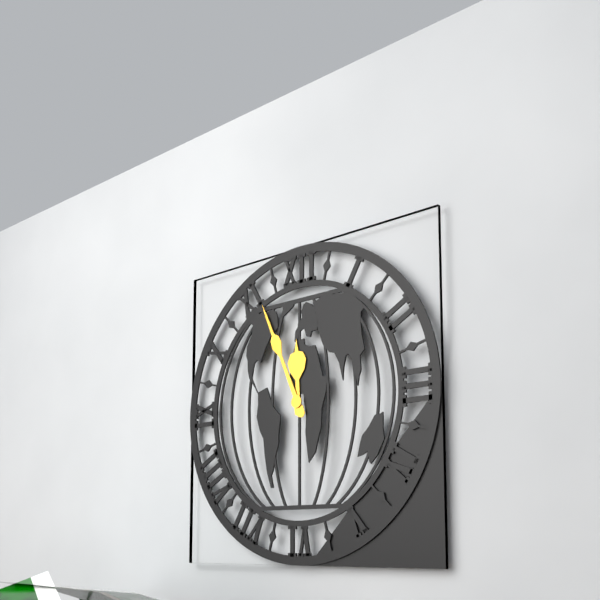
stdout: h=11 m=56
